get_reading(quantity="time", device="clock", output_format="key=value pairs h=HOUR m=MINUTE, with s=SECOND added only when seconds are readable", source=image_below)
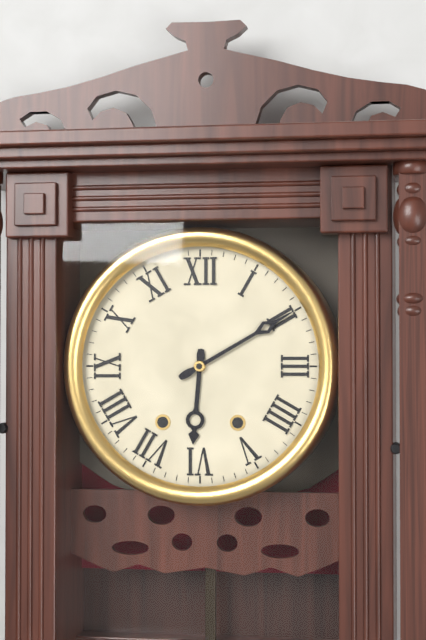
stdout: h=6 m=10
